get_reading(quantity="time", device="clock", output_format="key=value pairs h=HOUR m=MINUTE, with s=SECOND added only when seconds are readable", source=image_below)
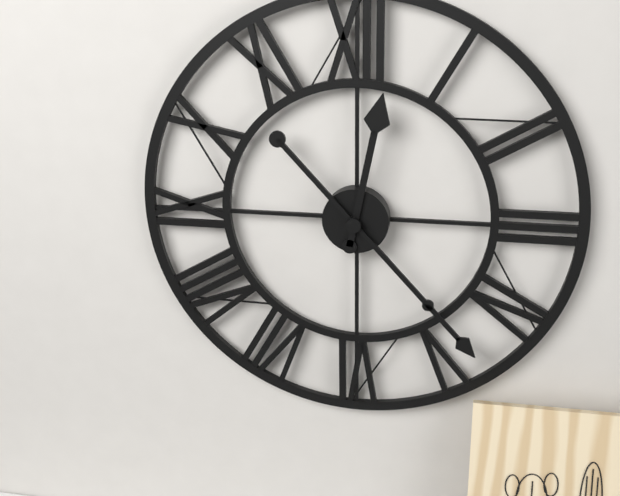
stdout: h=12 m=23
